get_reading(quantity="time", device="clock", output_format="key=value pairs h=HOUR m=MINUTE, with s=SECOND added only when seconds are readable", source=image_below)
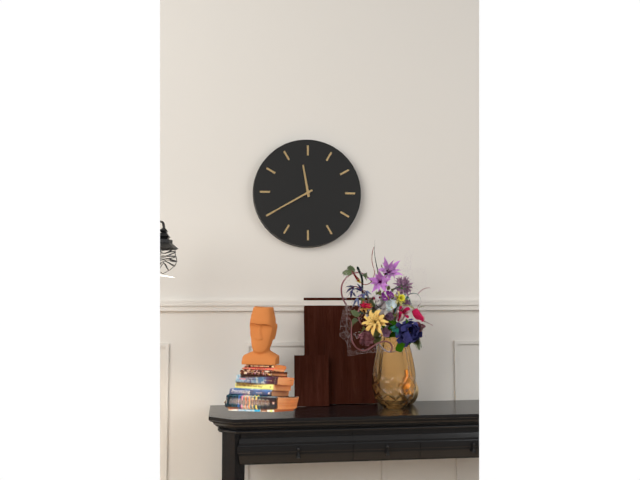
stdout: h=11 m=40
